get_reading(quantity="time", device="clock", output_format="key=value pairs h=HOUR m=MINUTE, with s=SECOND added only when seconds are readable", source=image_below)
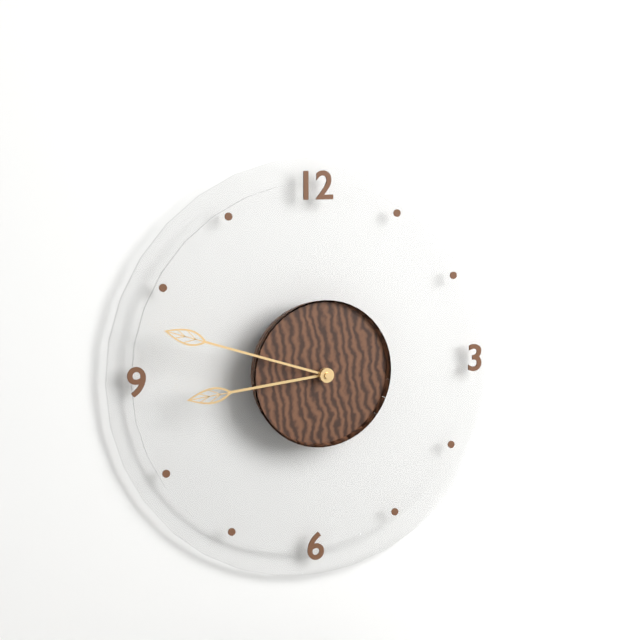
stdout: h=8 m=48
